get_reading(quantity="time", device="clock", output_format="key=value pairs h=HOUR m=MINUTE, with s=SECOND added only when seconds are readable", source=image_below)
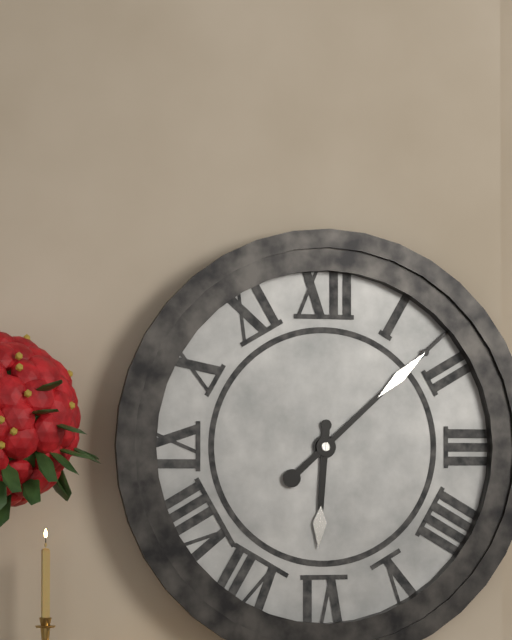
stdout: h=6 m=8
